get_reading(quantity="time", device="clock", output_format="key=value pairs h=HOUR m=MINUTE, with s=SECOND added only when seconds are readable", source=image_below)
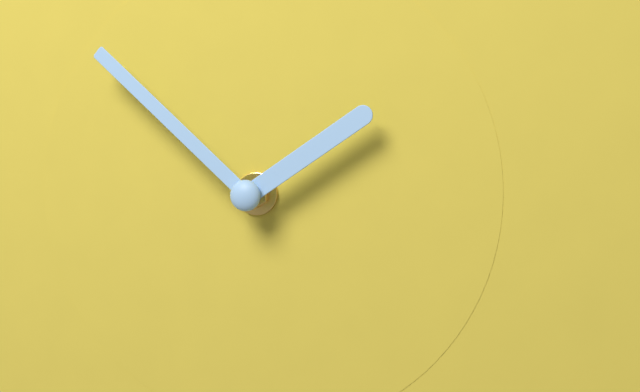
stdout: h=1 m=52
